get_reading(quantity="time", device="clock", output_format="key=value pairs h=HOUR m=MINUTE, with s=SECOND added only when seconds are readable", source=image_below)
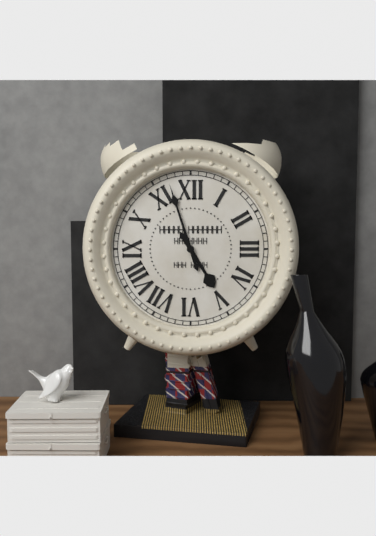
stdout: h=4 m=57
